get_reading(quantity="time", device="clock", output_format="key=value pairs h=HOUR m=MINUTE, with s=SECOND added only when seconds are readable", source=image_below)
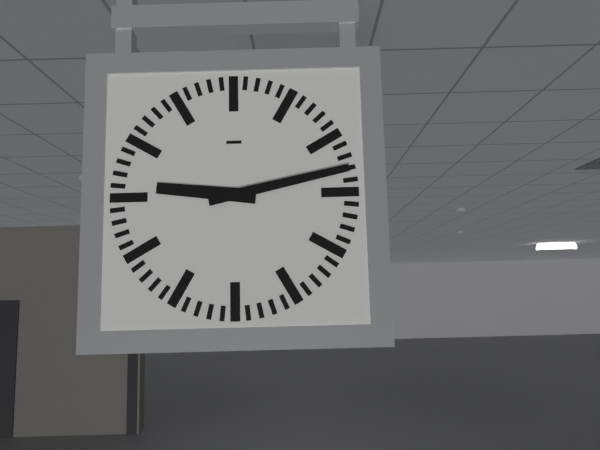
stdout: h=9 m=13
